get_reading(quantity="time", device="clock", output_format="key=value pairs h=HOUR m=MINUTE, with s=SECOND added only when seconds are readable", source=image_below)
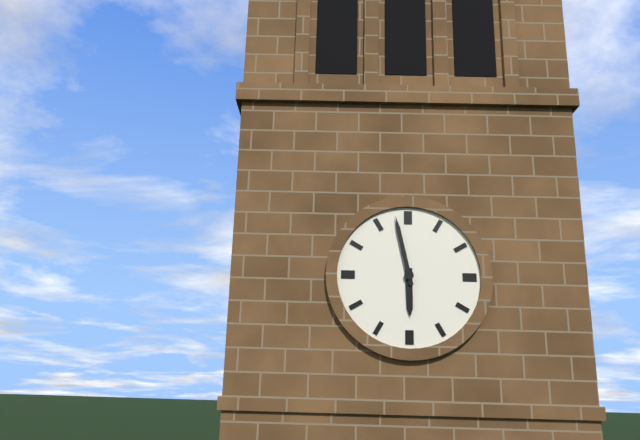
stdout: h=5 m=58
